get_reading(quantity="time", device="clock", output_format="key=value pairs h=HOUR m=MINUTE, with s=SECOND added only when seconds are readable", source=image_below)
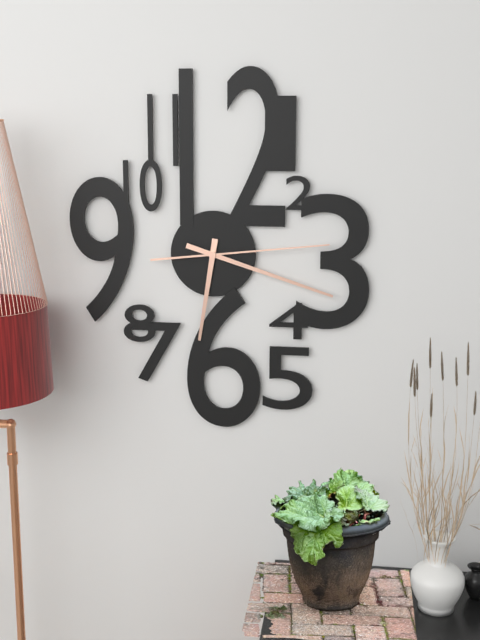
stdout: h=6 m=18 s=14
